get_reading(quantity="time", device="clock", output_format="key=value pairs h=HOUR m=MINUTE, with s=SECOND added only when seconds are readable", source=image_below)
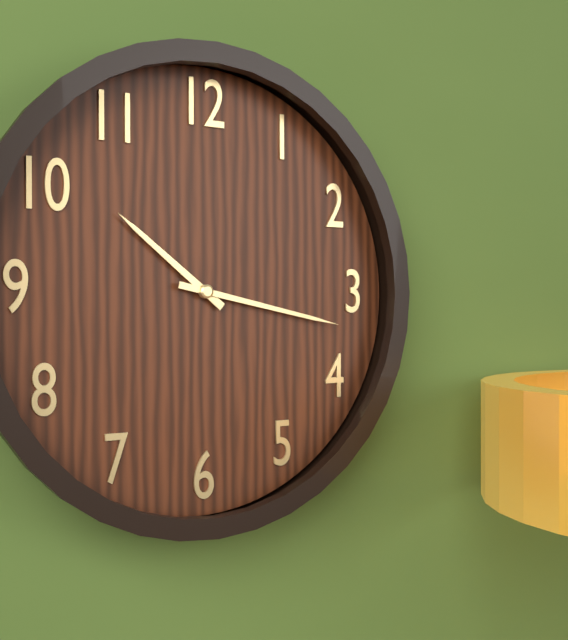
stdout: h=10 m=17
